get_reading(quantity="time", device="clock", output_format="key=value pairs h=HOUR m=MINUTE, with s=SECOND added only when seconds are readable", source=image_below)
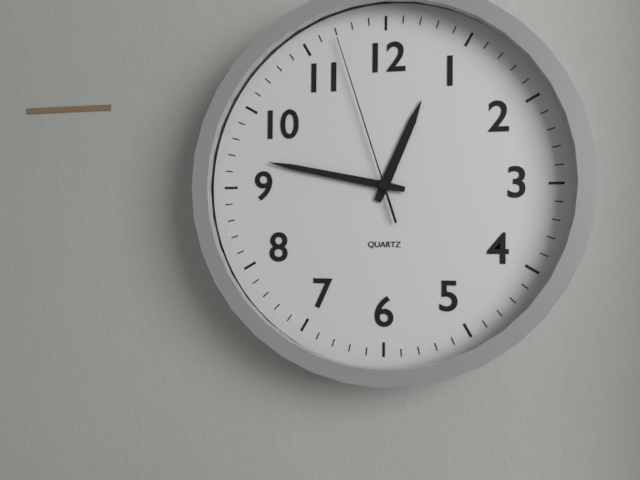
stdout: h=12 m=47 s=57
